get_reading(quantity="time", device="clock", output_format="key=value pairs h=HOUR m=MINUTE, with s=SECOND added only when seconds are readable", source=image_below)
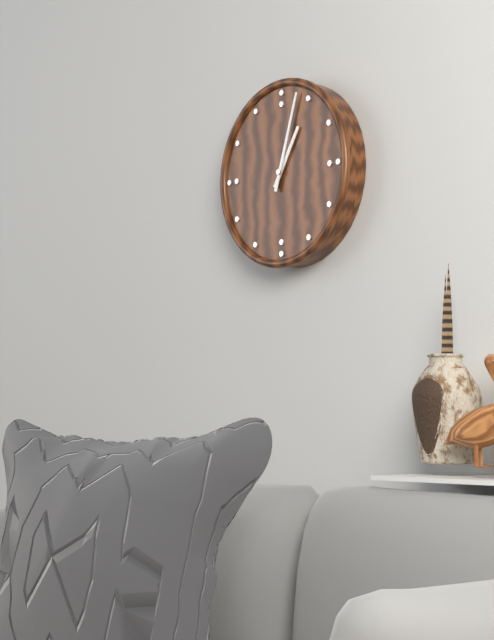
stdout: h=1 m=3
